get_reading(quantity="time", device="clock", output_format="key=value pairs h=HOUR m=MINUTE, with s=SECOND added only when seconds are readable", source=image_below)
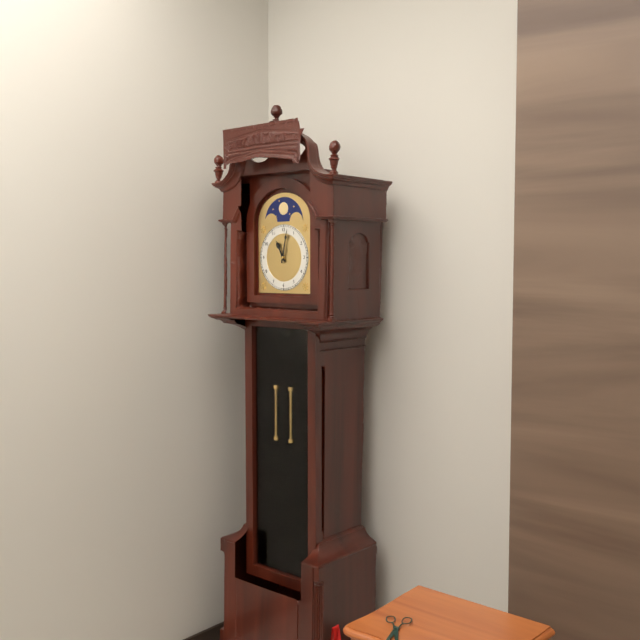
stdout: h=11 m=2
